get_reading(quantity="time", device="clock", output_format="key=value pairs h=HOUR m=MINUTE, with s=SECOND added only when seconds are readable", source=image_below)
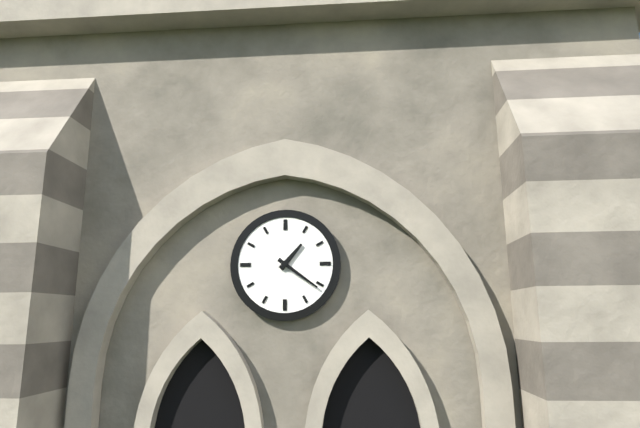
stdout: h=1 m=21
